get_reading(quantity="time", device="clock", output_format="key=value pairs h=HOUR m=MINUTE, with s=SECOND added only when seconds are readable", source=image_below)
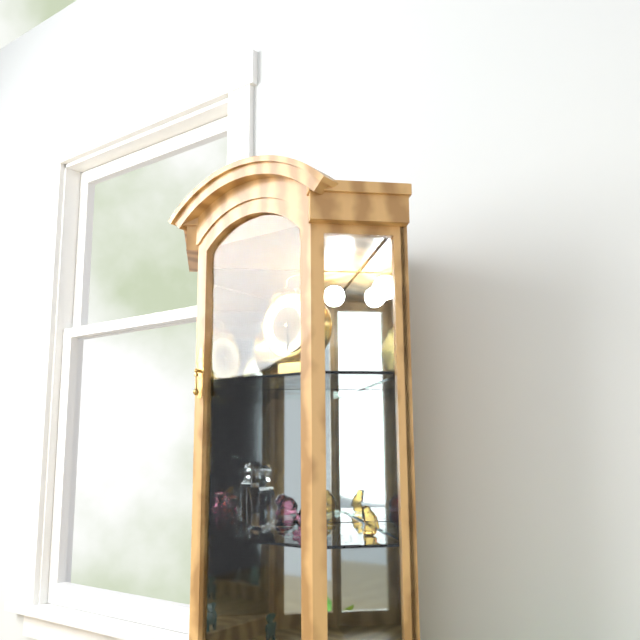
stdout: h=9 m=29
